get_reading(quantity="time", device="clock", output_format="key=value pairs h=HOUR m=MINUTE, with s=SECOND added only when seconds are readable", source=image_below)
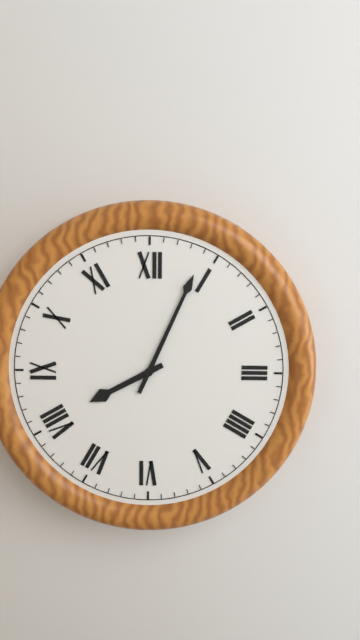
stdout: h=8 m=4
